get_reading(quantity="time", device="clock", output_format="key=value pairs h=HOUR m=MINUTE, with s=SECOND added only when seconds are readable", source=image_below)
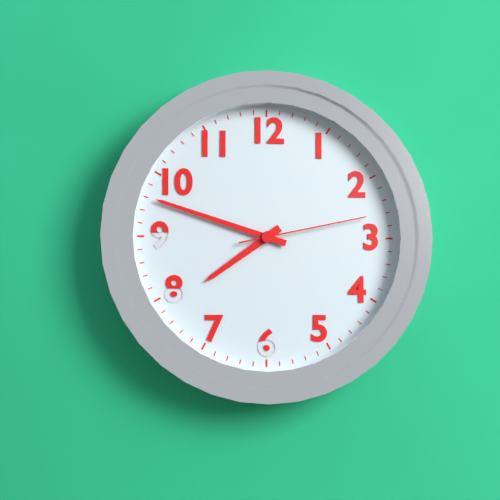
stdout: h=7 m=48 s=13
